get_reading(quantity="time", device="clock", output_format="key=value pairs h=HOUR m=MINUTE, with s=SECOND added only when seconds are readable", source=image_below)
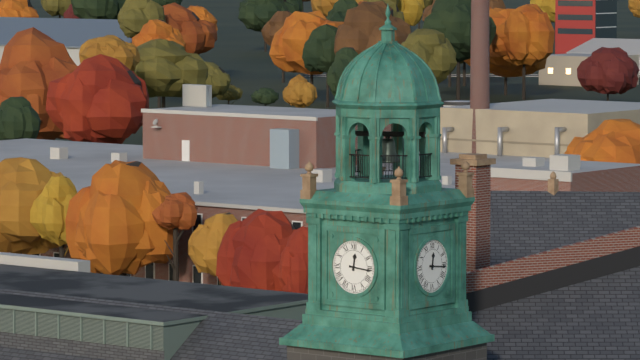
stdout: h=12 m=16
